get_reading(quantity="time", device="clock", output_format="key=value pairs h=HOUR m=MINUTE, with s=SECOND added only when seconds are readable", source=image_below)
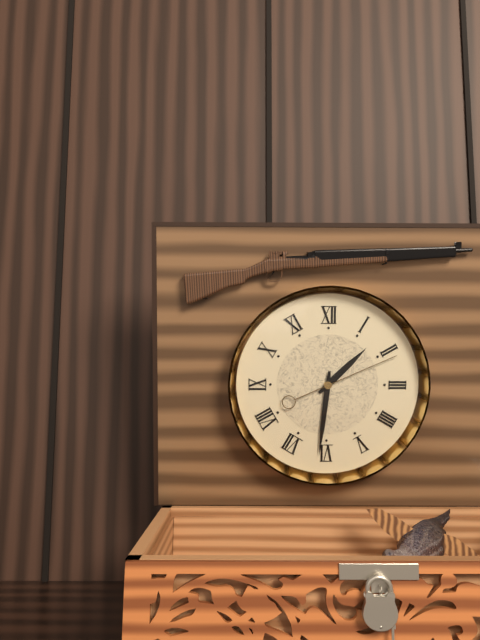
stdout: h=1 m=31 s=11
